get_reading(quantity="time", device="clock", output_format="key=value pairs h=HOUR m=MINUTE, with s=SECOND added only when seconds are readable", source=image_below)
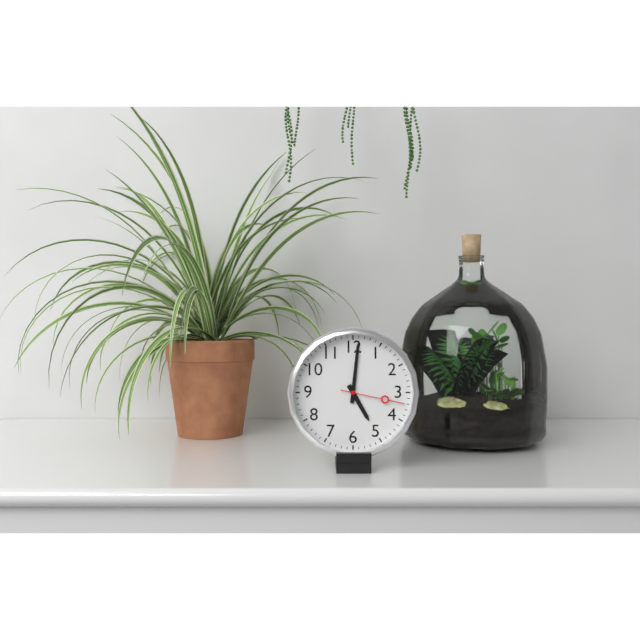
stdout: h=5 m=1 s=17
